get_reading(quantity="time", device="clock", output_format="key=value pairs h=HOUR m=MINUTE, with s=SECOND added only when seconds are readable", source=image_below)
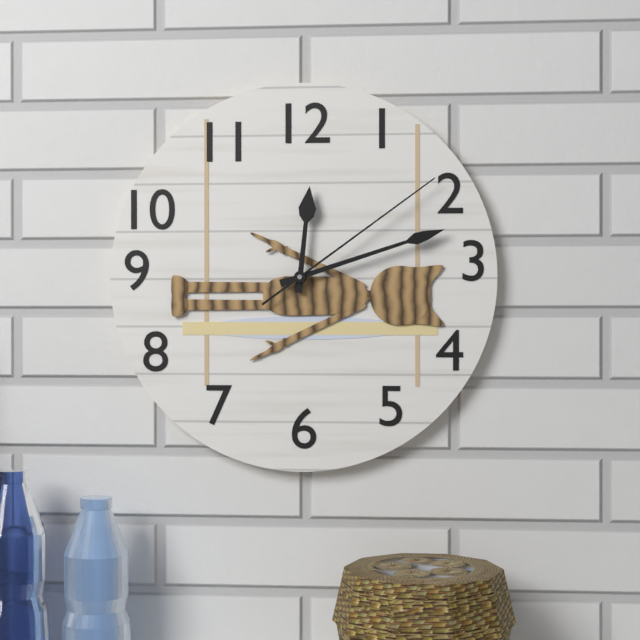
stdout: h=12 m=12 s=9
